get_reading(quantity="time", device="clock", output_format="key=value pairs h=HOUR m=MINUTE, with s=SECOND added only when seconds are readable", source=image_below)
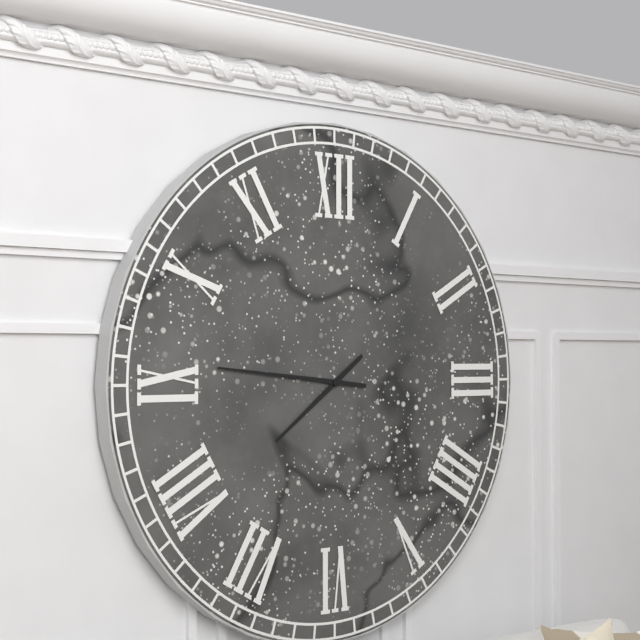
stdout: h=7 m=46
